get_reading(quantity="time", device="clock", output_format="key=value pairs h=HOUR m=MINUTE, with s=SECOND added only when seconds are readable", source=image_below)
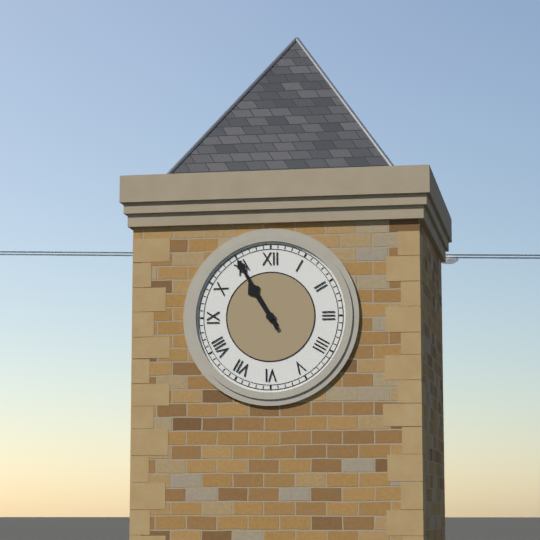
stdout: h=10 m=55
